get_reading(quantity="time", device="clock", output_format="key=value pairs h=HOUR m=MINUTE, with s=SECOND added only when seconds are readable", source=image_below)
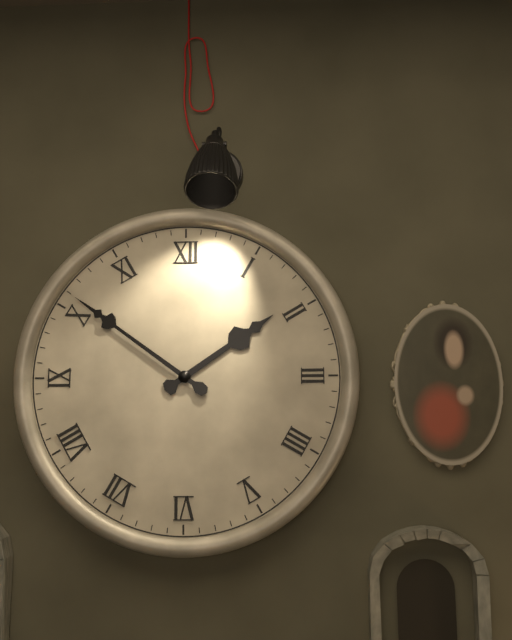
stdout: h=1 m=51
